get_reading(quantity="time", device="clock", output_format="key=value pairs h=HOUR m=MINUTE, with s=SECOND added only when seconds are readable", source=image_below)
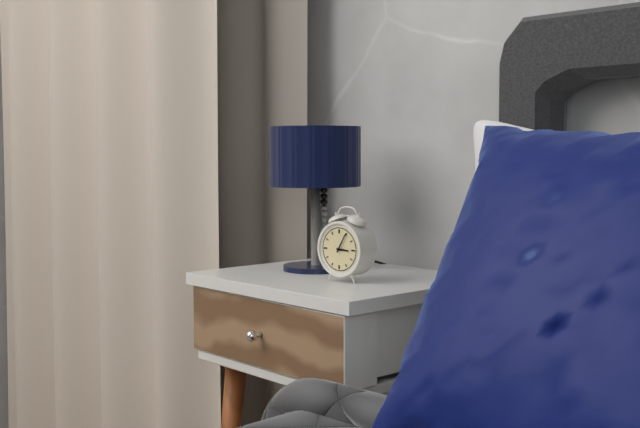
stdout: h=3 m=5
